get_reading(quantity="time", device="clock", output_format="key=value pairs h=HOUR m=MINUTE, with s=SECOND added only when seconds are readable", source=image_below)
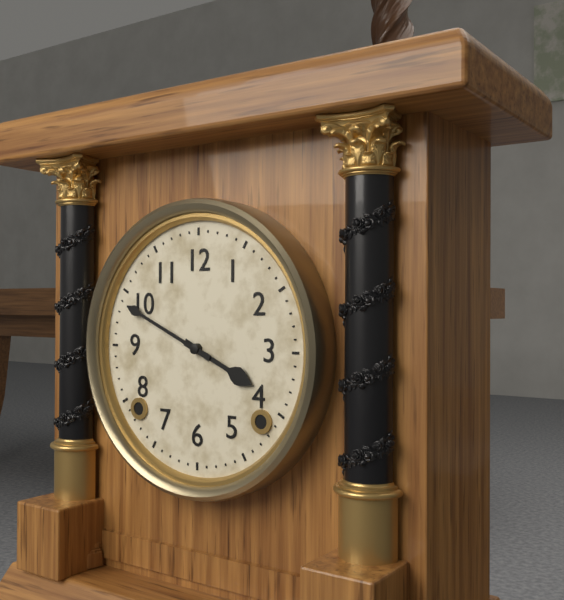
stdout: h=3 m=49
